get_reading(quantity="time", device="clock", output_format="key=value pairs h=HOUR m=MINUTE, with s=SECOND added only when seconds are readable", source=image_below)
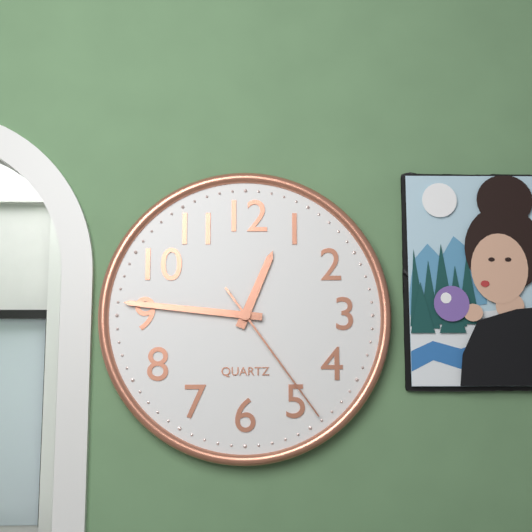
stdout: h=12 m=46 s=24
